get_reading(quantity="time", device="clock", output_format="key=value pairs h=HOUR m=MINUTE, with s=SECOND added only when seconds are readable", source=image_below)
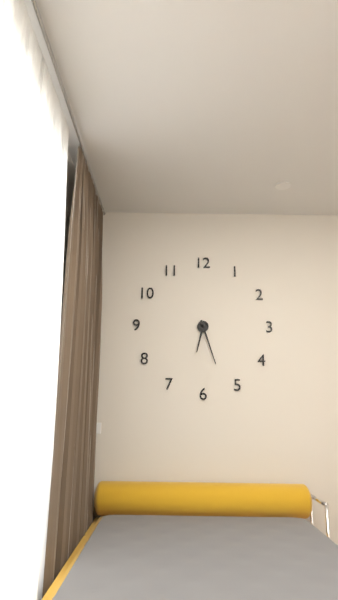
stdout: h=6 m=27
